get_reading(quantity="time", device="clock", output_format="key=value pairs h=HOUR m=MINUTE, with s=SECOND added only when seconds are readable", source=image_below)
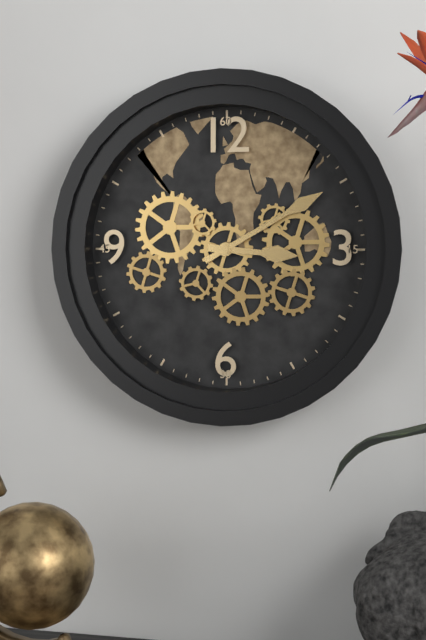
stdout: h=3 m=10
